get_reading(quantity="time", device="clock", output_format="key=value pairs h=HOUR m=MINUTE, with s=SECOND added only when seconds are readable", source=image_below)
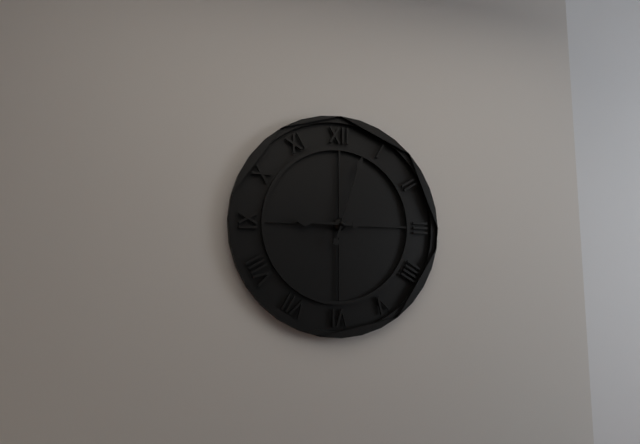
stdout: h=9 m=3
